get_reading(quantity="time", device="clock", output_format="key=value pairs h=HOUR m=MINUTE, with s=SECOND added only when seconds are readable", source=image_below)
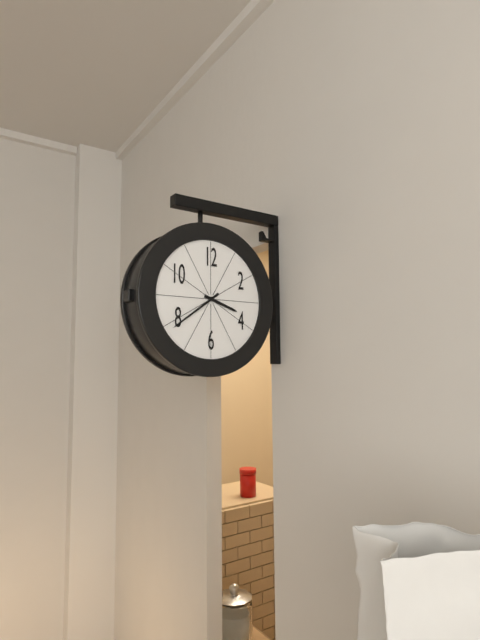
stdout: h=3 m=39
